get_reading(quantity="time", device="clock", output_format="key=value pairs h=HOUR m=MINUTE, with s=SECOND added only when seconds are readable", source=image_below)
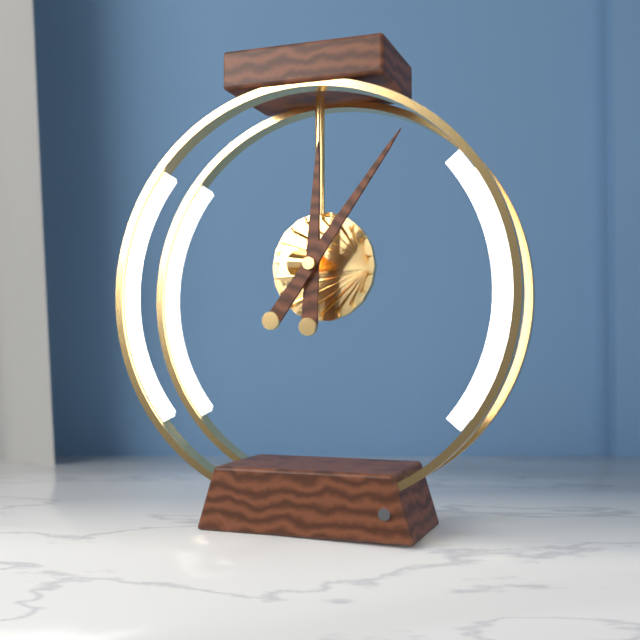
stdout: h=12 m=6
